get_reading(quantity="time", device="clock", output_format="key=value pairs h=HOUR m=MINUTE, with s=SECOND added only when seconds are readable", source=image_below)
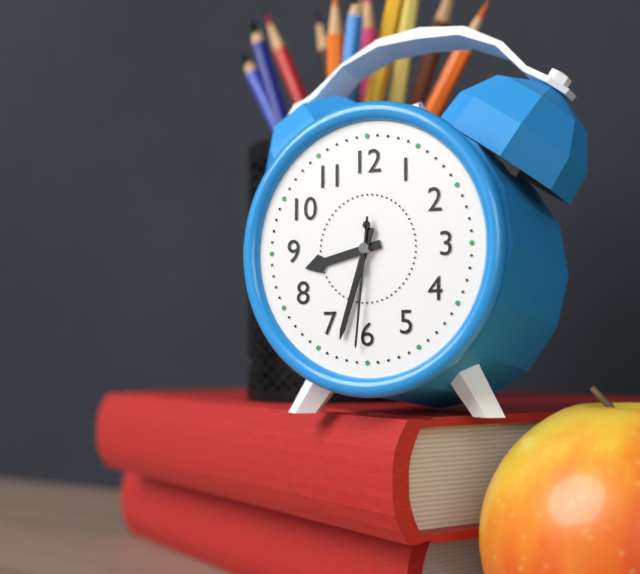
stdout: h=8 m=33 s=31
